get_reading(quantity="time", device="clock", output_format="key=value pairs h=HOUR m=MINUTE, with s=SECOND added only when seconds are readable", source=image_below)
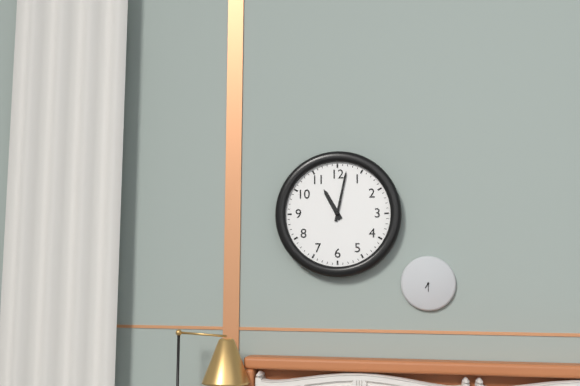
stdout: h=11 m=2
